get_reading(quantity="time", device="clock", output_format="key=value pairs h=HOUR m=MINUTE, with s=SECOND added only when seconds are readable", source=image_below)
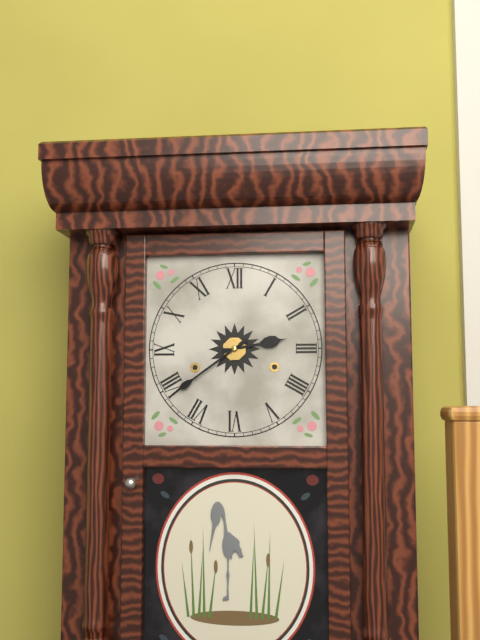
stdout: h=2 m=39
